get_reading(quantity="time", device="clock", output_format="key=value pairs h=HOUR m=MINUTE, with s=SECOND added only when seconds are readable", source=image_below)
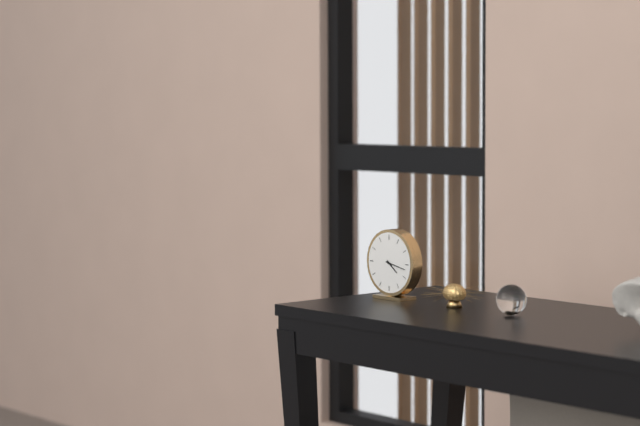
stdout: h=4 m=17
